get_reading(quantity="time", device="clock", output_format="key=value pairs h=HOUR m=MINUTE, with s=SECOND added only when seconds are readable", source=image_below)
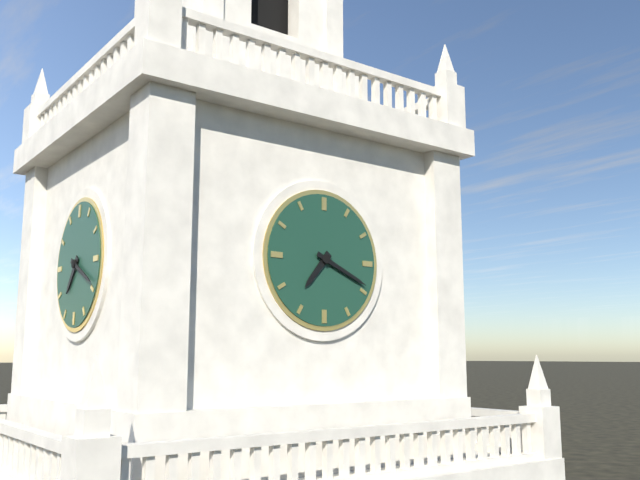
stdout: h=7 m=19
